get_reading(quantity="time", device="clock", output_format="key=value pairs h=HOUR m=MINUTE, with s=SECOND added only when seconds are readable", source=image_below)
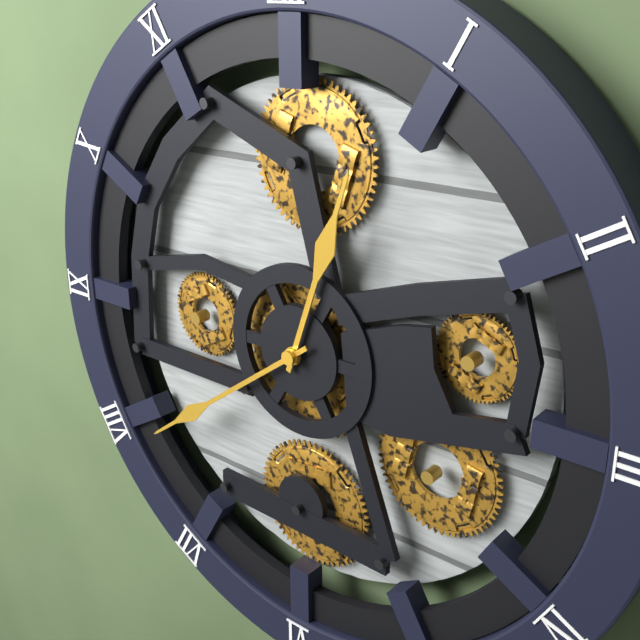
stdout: h=12 m=39
